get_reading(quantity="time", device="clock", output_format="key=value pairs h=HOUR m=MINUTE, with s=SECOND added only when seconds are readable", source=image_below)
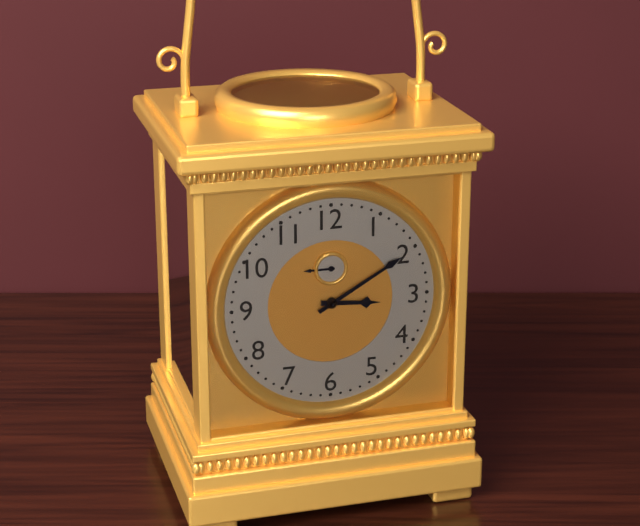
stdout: h=3 m=10
